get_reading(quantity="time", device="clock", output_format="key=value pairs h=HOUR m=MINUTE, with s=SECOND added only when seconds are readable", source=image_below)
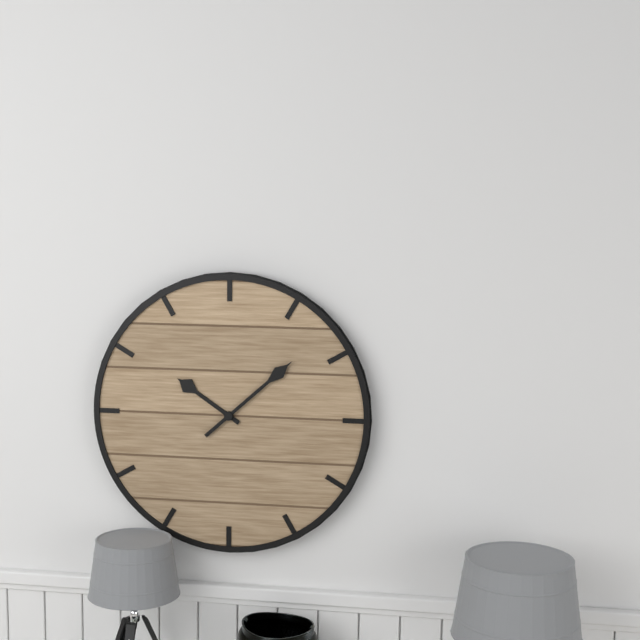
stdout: h=10 m=8
